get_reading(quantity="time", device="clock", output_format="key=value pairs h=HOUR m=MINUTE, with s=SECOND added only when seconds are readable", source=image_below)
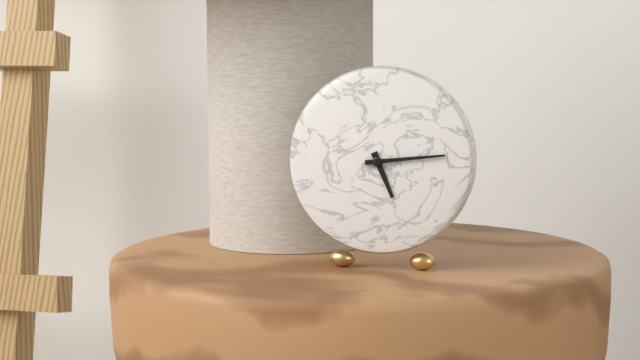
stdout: h=5 m=14
